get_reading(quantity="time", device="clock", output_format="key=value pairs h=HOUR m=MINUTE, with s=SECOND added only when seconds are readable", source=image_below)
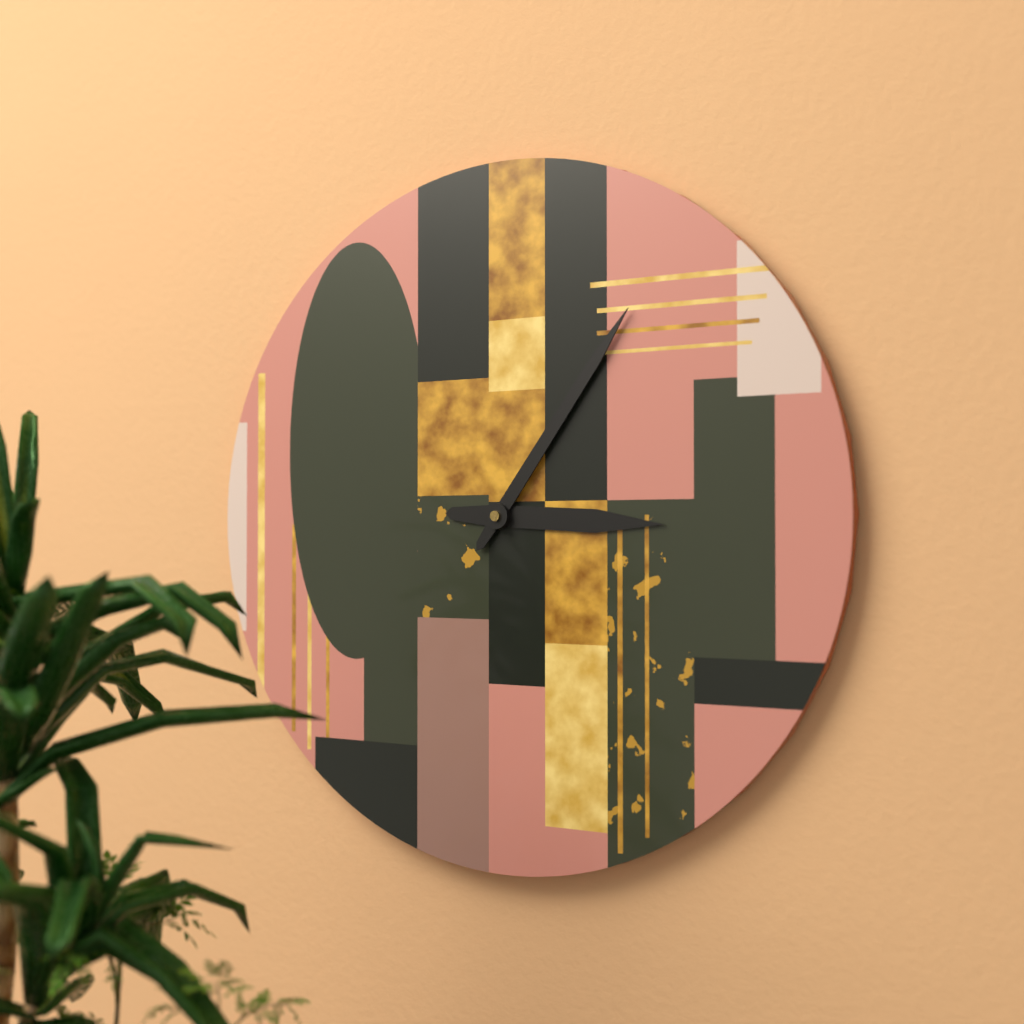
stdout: h=3 m=6
